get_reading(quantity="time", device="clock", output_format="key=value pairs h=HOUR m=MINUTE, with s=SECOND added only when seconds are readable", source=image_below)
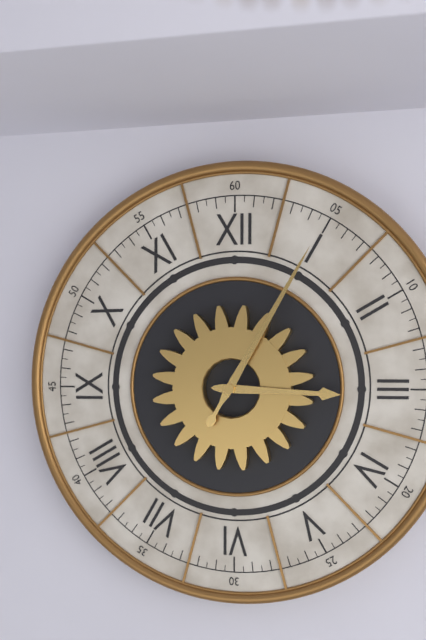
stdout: h=3 m=5
